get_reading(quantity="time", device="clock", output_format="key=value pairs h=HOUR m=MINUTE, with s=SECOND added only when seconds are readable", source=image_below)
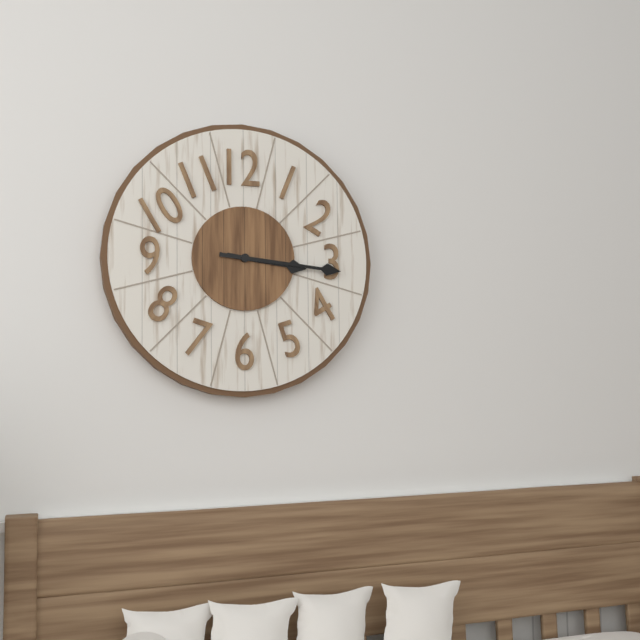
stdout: h=3 m=16
